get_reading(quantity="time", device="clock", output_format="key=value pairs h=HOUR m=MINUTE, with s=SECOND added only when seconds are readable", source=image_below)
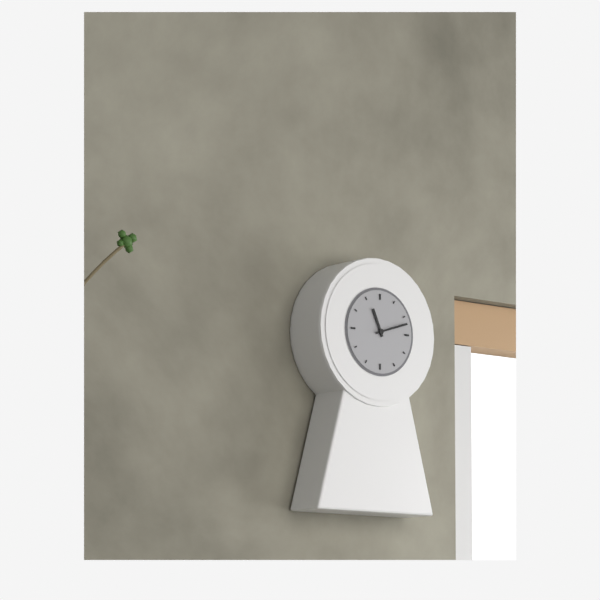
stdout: h=11 m=12
